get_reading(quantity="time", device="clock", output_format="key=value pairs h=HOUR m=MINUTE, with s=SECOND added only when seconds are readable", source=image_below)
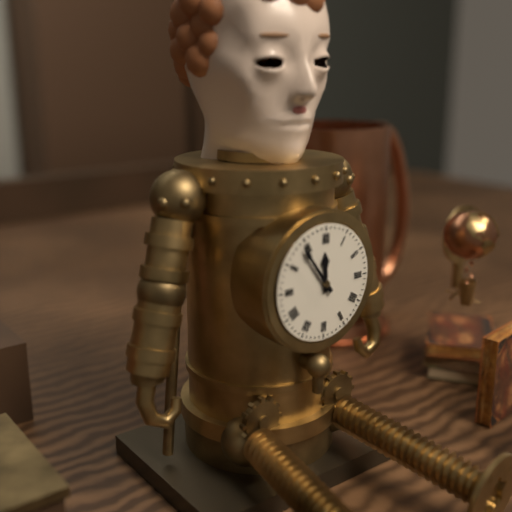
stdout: h=11 m=54
